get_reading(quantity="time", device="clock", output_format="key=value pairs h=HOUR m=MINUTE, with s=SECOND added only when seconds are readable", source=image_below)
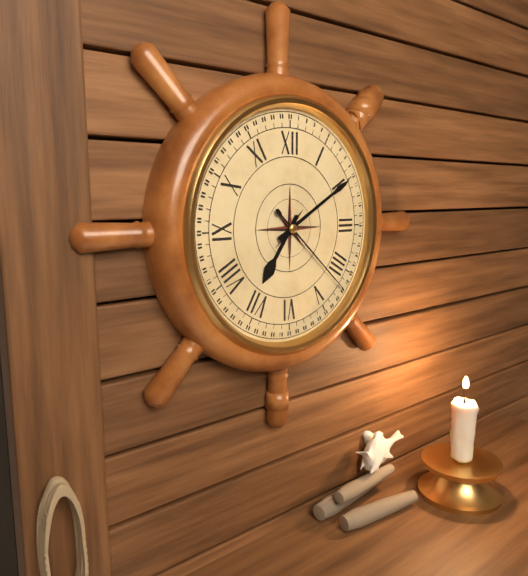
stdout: h=7 m=10 s=22
